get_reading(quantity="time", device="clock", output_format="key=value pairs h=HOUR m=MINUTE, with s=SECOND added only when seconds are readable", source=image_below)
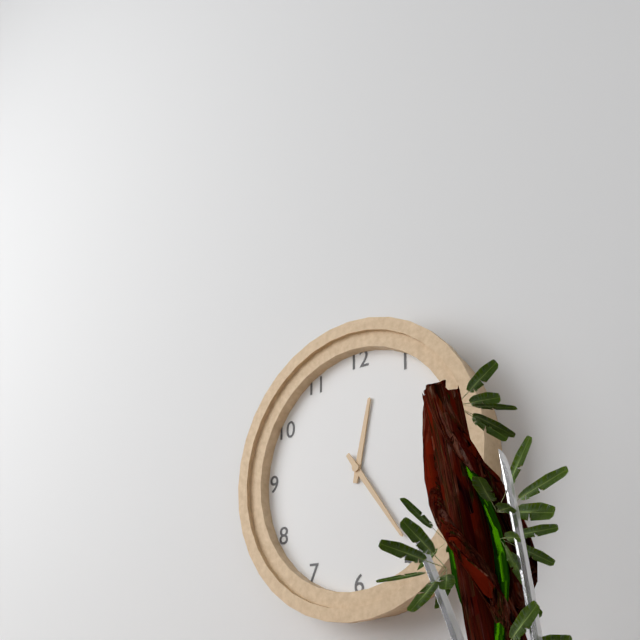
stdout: h=12 m=24
